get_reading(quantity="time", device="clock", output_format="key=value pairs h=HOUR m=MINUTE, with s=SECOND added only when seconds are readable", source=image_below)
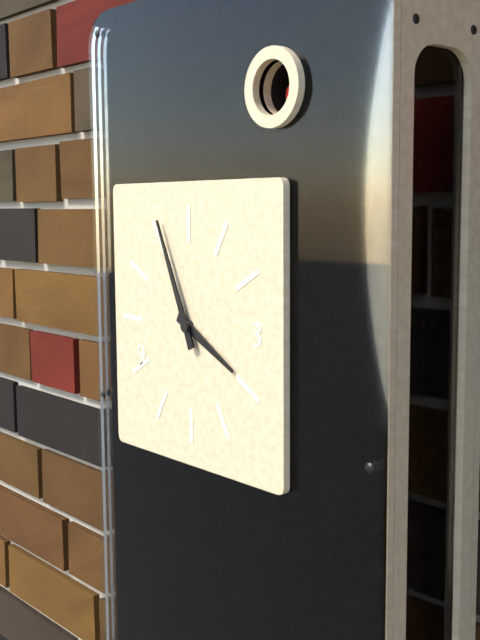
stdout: h=3 m=56
